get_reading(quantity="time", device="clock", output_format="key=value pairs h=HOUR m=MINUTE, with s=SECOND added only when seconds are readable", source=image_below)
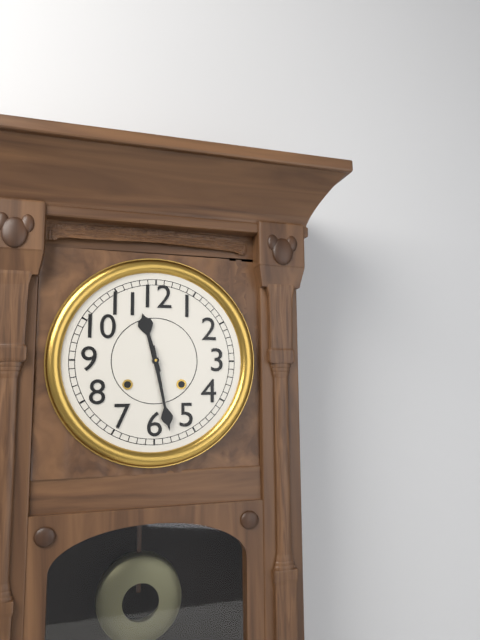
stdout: h=11 m=28
